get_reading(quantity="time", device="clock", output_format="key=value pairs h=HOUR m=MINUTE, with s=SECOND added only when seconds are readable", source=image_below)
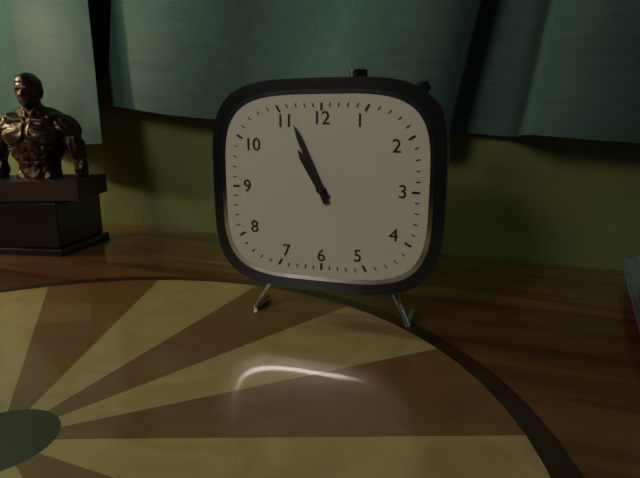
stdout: h=10 m=56
